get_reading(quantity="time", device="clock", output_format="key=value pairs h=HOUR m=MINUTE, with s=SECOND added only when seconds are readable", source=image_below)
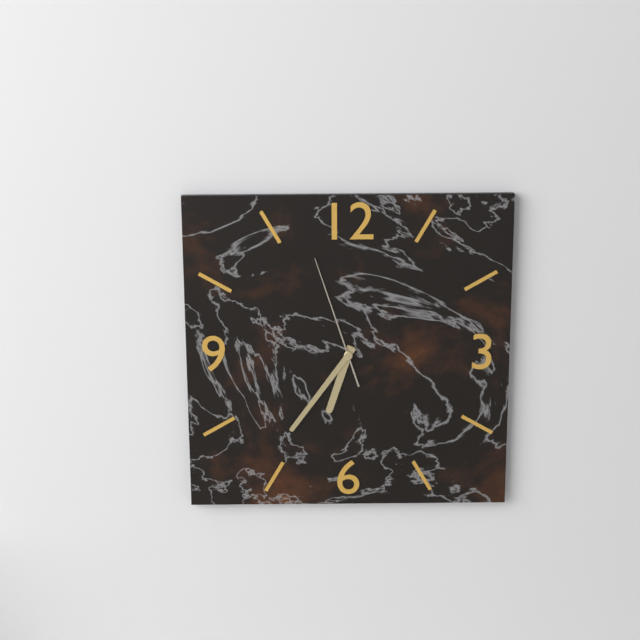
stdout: h=6 m=36 s=57
